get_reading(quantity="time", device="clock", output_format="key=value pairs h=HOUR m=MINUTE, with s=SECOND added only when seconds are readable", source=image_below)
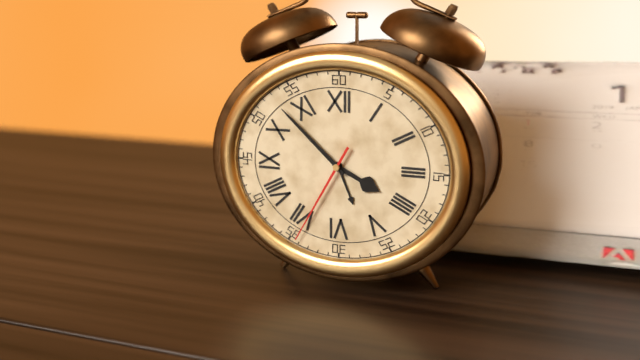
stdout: h=3 m=52 s=35
